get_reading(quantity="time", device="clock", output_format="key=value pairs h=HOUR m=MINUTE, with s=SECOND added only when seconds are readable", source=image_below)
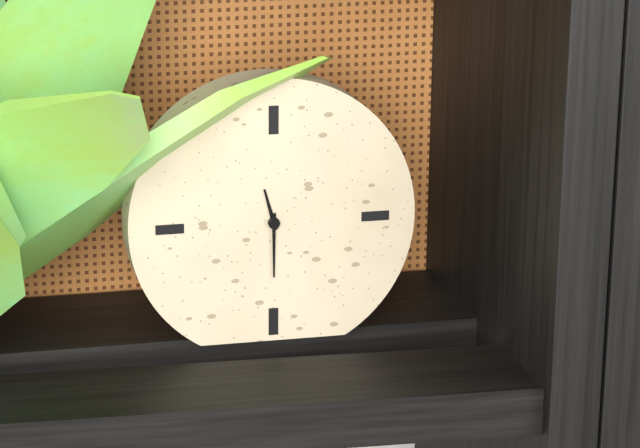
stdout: h=11 m=30
